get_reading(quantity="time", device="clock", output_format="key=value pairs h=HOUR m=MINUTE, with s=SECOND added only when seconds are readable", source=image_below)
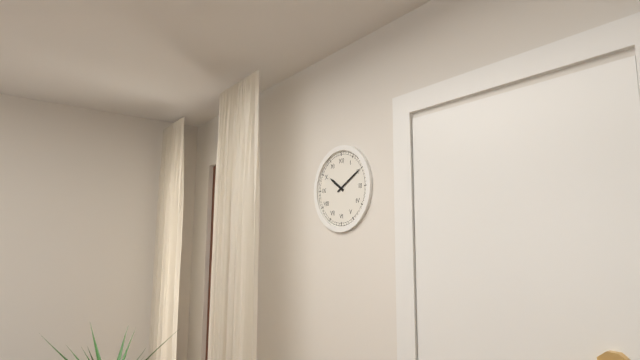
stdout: h=10 m=10
